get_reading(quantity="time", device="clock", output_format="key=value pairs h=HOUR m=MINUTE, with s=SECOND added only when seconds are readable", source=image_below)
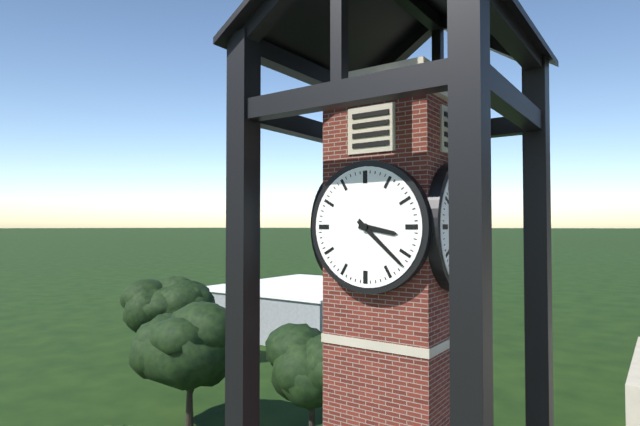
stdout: h=3 m=22
